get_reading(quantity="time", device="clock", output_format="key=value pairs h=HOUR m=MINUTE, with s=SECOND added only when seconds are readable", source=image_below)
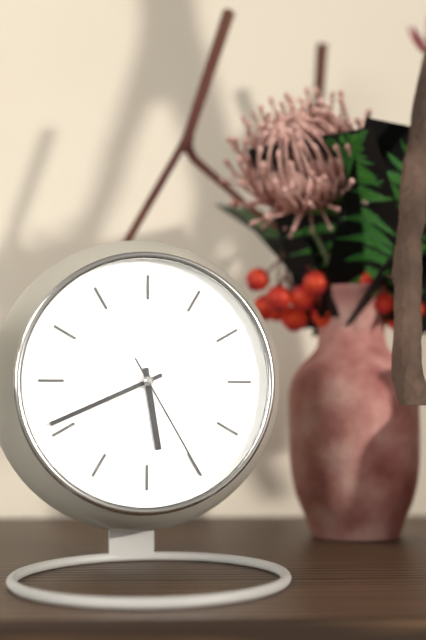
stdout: h=5 m=41 s=25
